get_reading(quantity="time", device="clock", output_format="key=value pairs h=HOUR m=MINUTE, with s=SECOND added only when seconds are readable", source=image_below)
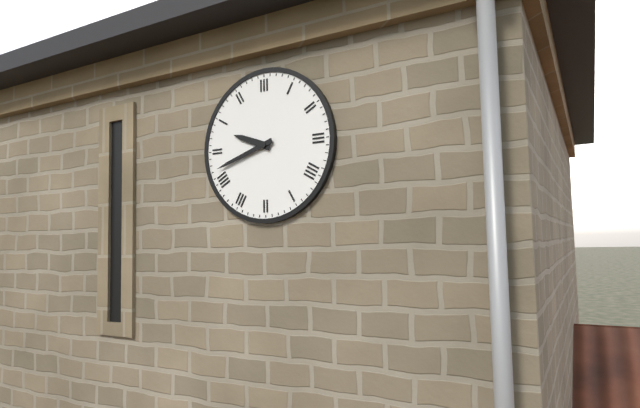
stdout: h=9 m=42
